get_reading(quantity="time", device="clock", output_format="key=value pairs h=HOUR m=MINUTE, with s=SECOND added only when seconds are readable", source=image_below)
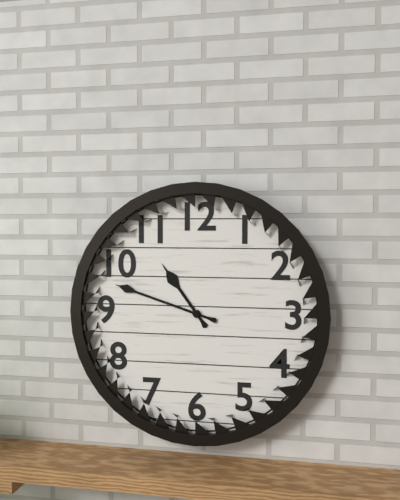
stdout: h=10 m=48
